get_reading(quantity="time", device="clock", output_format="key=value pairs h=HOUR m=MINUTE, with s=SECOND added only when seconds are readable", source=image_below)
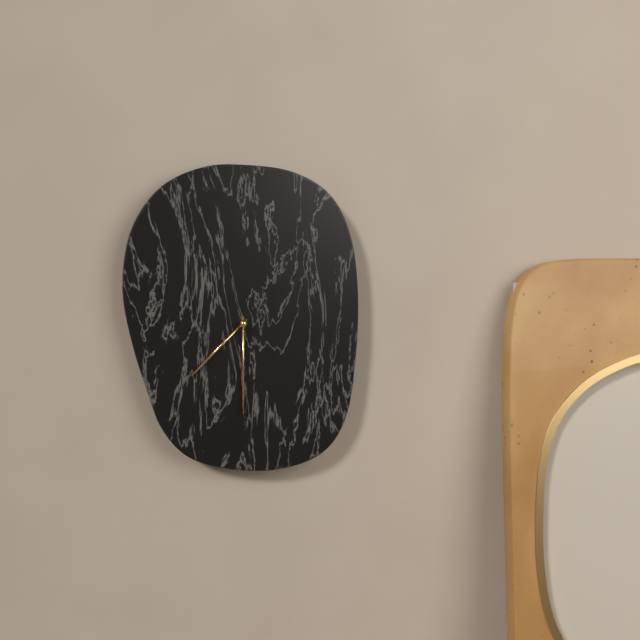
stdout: h=7 m=30
